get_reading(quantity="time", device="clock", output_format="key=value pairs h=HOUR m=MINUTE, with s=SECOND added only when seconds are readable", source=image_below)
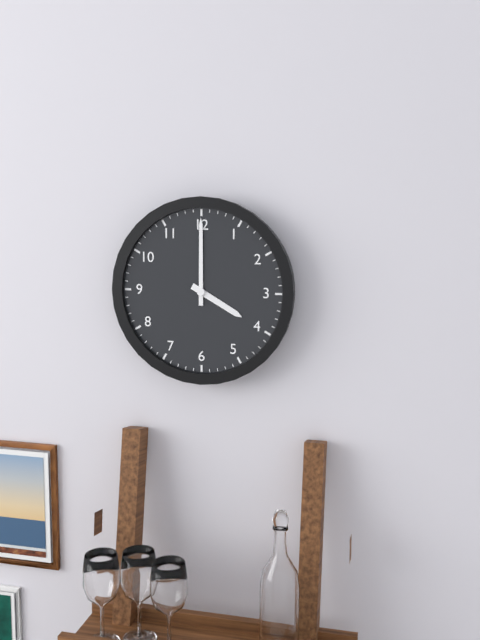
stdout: h=4 m=0
